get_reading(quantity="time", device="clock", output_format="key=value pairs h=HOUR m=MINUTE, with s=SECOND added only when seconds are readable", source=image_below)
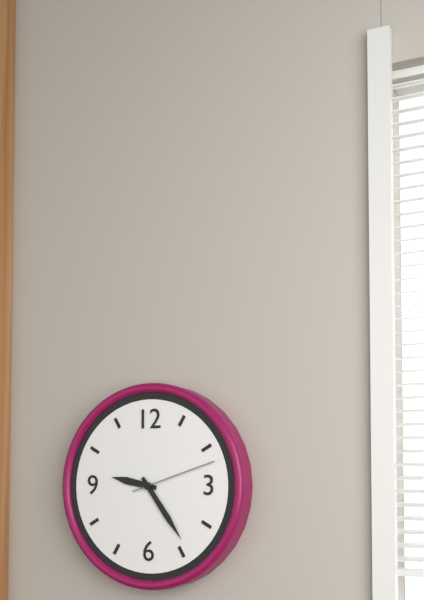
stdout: h=9 m=24 s=12
